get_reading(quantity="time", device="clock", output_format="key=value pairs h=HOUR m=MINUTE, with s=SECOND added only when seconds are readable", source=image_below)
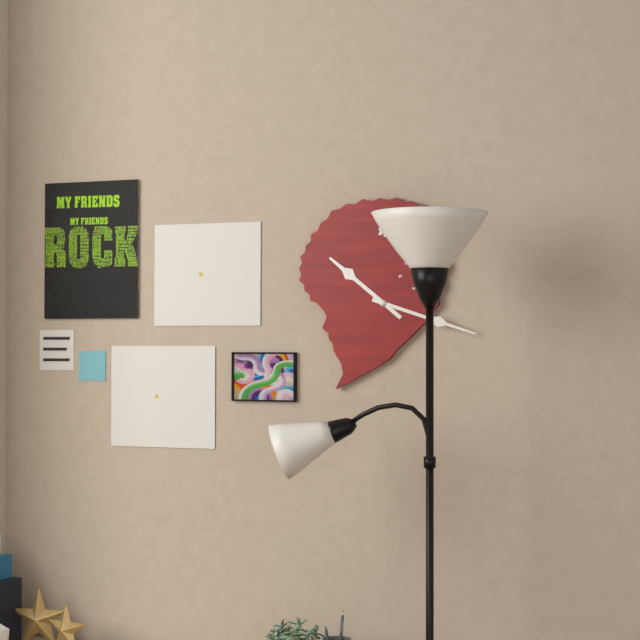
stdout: h=10 m=18
